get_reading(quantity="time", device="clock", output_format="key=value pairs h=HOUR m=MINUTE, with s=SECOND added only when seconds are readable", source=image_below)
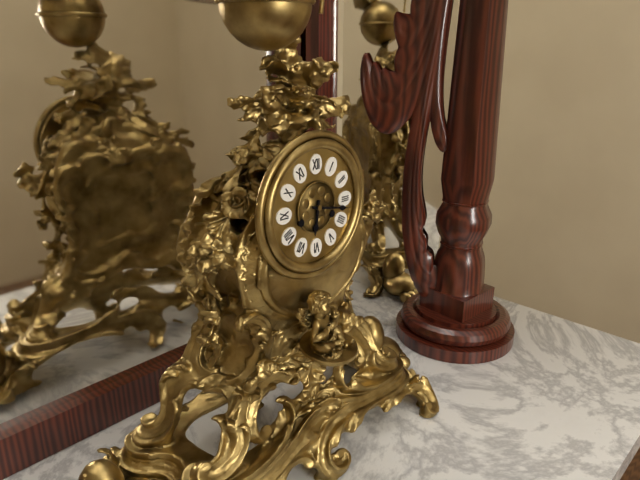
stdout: h=6 m=17
